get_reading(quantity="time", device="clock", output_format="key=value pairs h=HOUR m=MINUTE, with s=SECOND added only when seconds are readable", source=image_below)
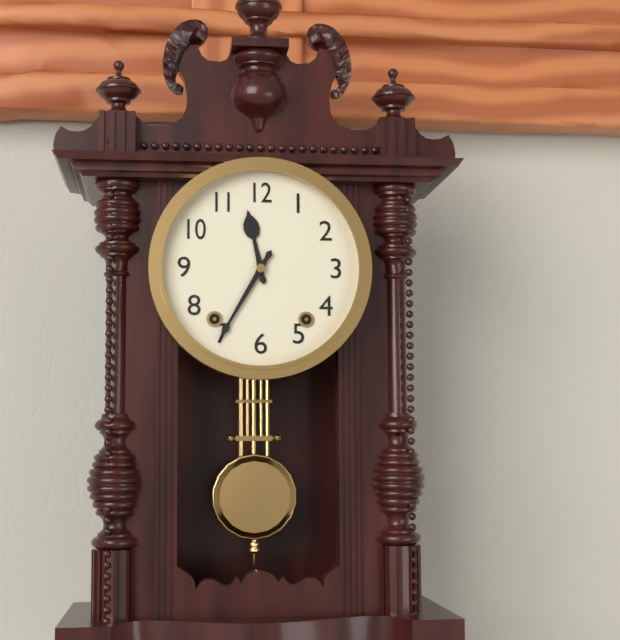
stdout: h=11 m=35
